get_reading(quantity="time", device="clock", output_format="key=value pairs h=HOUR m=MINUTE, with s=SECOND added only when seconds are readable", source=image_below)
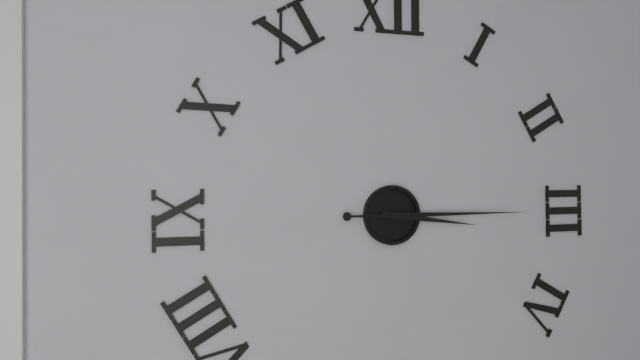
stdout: h=3 m=15
